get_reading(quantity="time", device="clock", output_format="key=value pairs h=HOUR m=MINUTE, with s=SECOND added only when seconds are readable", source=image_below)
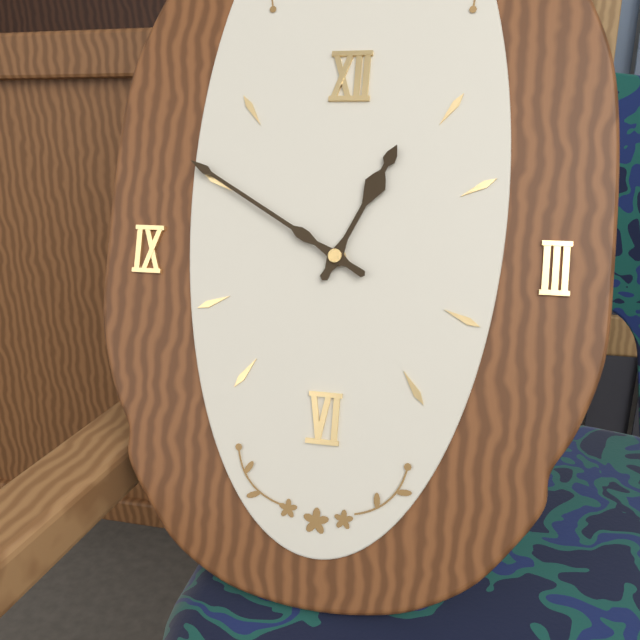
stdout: h=12 m=50
